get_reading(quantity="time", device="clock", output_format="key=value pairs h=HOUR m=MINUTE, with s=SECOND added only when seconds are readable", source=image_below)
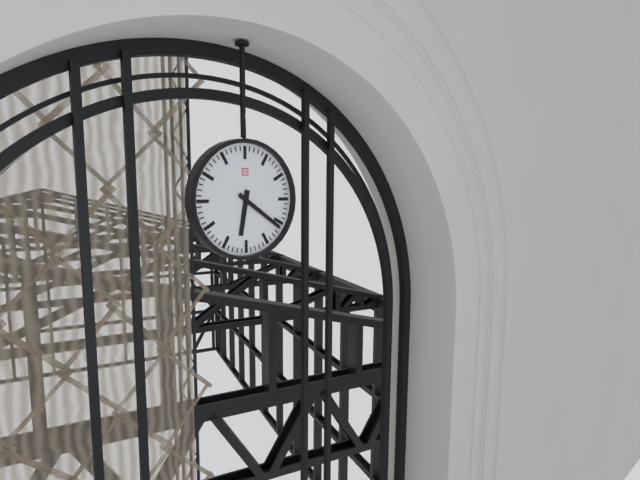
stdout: h=6 m=21
